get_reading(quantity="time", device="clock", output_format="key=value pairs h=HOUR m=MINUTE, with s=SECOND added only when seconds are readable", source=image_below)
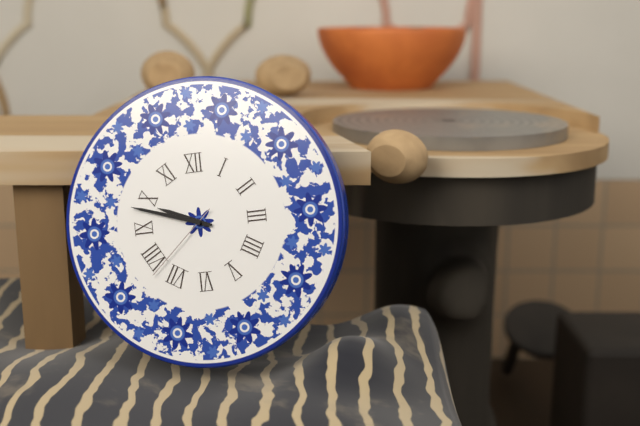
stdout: h=9 m=48 s=38
